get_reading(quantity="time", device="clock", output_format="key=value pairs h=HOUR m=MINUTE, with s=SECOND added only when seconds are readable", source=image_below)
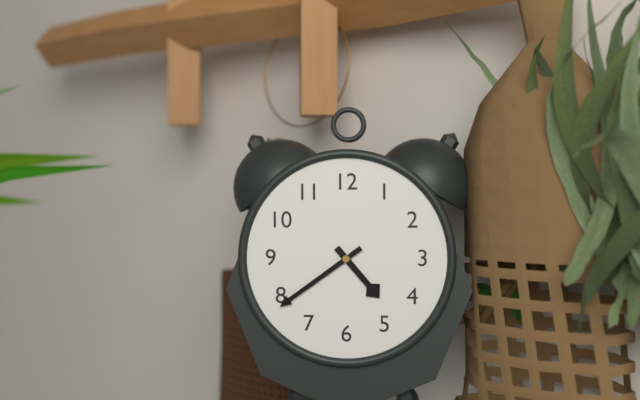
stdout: h=4 m=39
